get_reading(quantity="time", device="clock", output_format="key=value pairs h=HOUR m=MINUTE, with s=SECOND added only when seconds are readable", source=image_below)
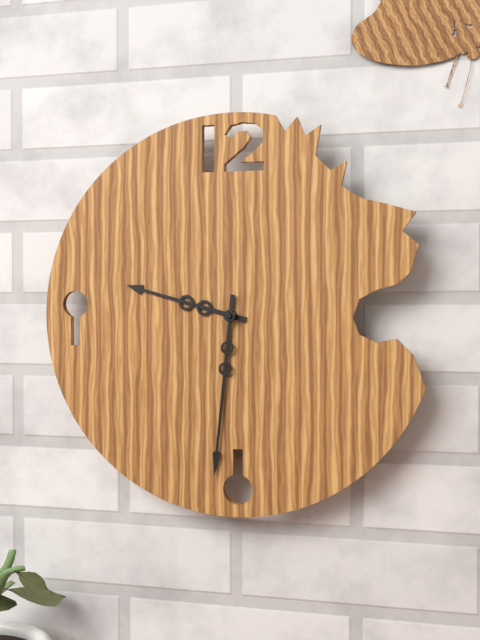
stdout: h=9 m=31
